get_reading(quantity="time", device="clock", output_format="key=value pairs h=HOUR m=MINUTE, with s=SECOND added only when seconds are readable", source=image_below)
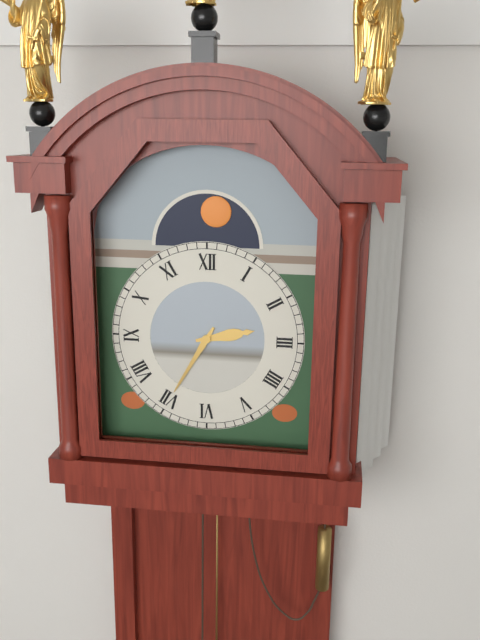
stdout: h=2 m=35
